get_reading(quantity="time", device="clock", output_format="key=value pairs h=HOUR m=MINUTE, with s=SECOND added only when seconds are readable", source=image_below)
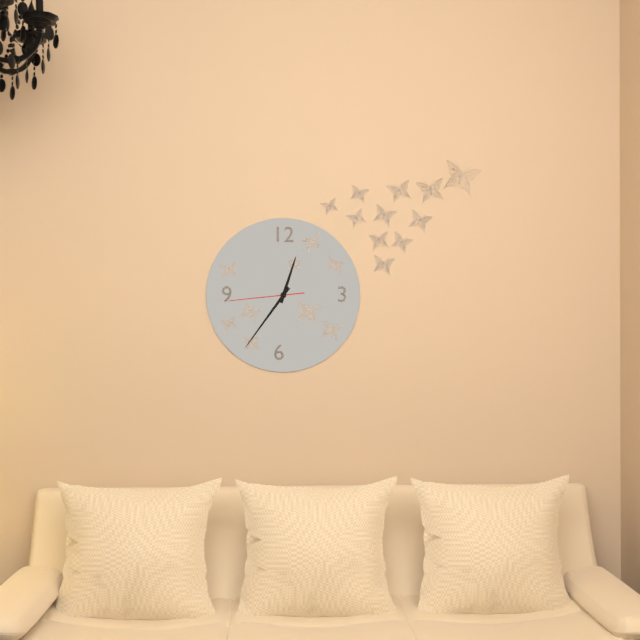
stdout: h=12 m=36 s=44
